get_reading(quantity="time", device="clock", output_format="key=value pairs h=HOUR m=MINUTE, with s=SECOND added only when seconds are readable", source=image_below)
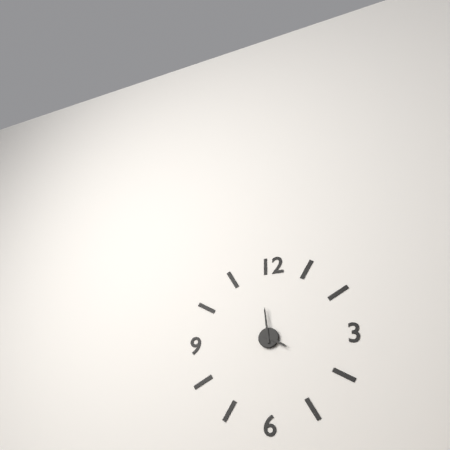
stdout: h=3 m=59
